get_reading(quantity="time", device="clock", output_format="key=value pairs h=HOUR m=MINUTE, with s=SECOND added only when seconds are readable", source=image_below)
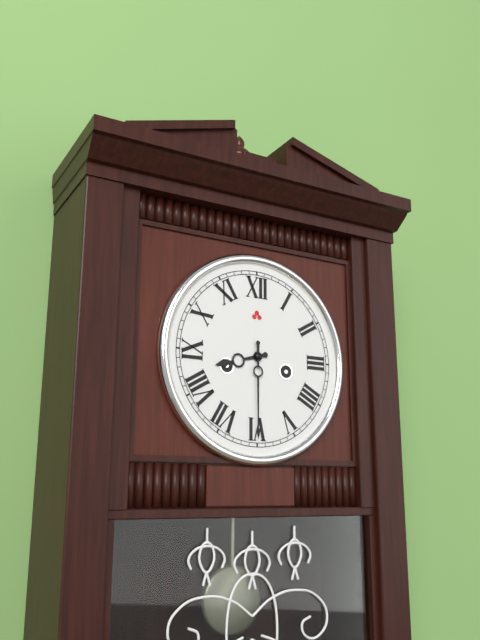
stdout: h=8 m=30
